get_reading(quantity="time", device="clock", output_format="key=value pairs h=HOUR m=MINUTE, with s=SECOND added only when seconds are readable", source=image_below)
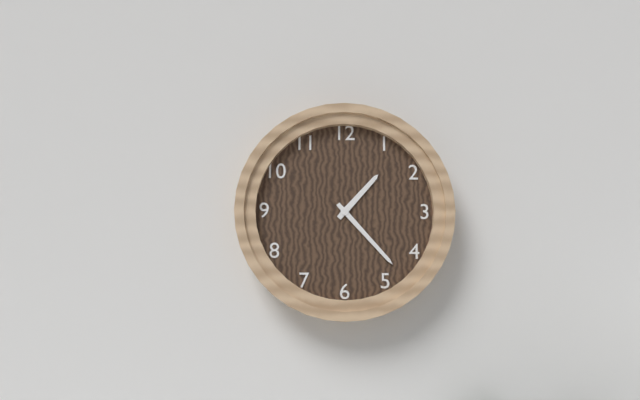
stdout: h=1 m=23
